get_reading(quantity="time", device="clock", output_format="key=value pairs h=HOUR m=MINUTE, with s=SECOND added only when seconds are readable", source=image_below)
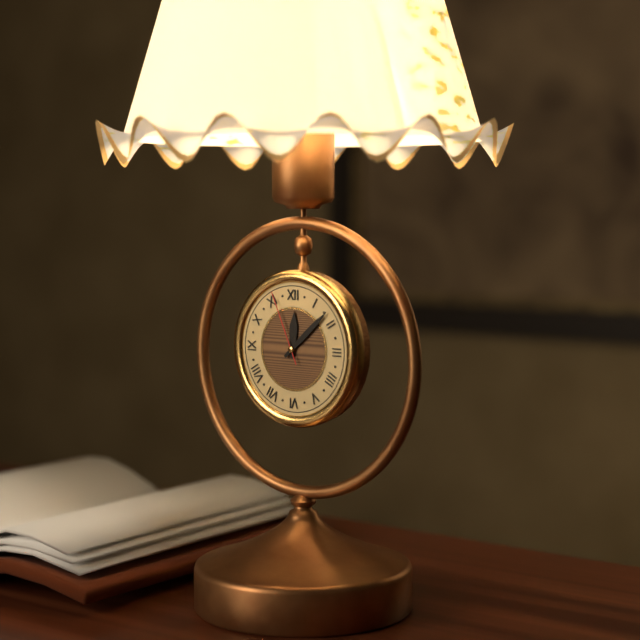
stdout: h=12 m=8 s=56
